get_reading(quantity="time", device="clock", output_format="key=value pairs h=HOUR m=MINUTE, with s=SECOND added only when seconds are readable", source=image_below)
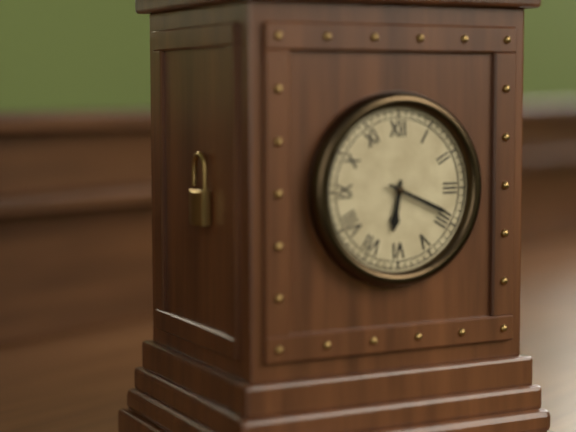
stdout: h=6 m=19
